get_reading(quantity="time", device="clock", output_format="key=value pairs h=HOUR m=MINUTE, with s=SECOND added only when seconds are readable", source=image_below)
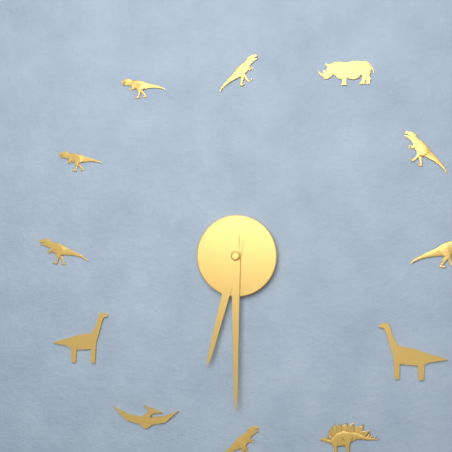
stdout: h=6 m=30
